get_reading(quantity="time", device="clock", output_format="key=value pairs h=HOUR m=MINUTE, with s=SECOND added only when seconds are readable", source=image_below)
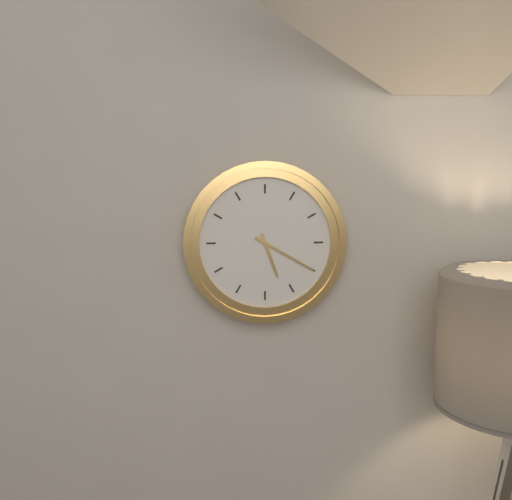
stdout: h=5 m=20
